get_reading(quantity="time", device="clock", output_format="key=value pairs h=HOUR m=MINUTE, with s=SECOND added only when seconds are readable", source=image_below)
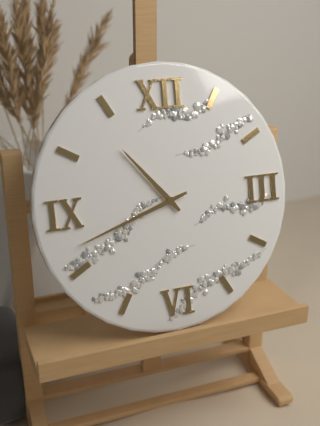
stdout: h=10 m=42
